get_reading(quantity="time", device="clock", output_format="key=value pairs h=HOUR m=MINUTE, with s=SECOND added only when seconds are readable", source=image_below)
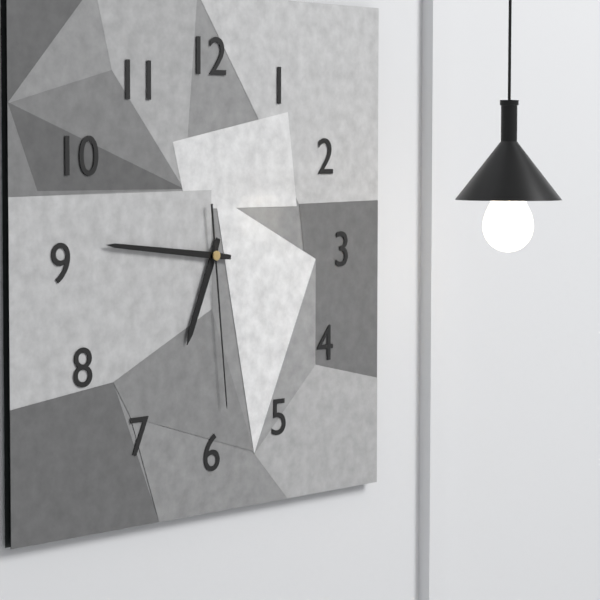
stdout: h=6 m=46 s=29
